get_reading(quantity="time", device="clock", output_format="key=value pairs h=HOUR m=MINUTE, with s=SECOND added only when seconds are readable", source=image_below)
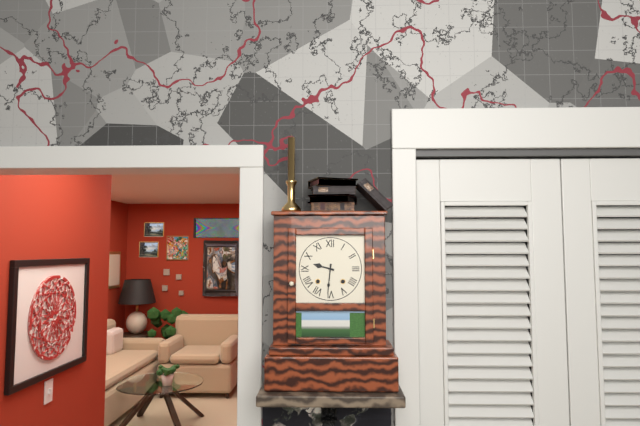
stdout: h=9 m=31
